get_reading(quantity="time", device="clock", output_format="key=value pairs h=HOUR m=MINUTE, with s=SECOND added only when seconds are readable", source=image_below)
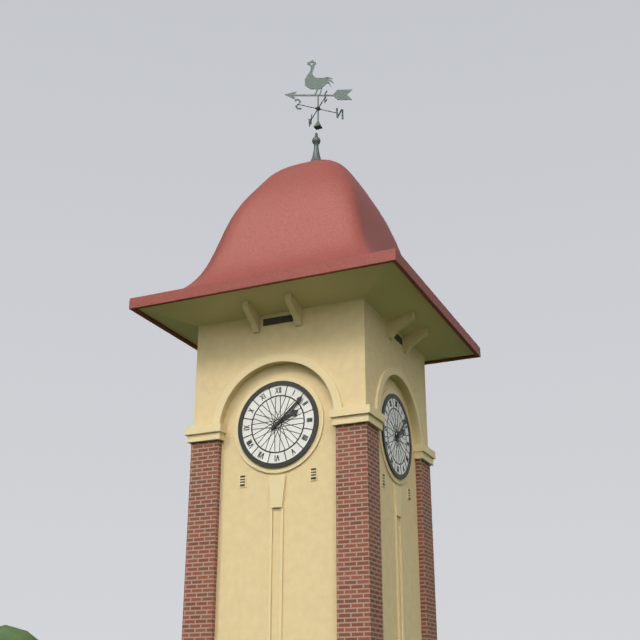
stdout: h=2 m=8
